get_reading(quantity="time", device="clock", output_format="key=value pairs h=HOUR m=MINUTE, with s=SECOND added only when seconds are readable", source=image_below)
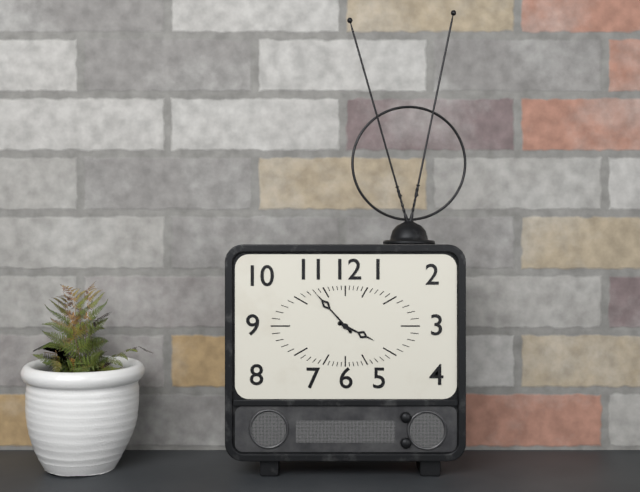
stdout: h=3 m=53
